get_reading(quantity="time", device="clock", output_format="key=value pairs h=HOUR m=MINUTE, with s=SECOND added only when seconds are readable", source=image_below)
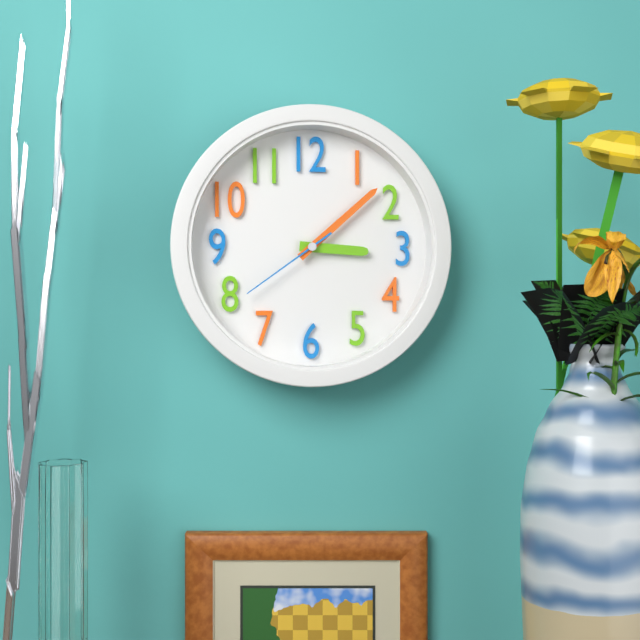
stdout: h=3 m=8 s=39
